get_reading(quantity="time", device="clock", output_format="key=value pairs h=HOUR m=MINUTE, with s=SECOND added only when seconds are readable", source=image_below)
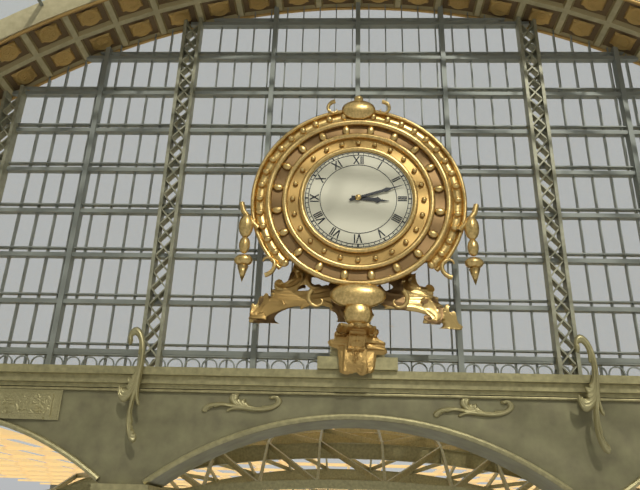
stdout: h=3 m=12
